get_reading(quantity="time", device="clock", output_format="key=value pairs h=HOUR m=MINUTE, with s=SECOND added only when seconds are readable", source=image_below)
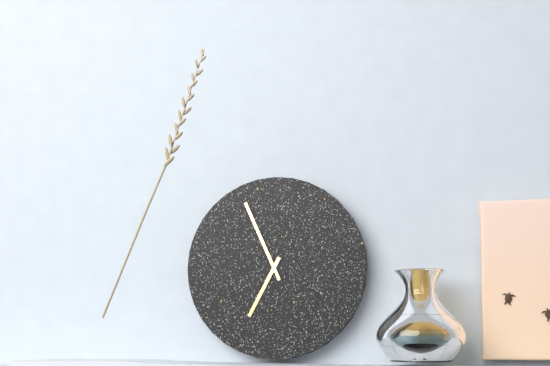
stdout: h=6 m=56
